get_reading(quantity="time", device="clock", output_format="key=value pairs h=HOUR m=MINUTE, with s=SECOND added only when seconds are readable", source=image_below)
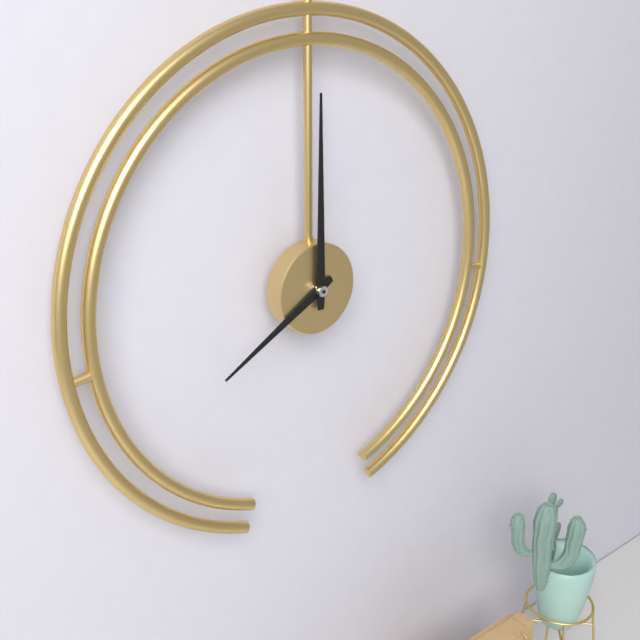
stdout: h=8 m=0
